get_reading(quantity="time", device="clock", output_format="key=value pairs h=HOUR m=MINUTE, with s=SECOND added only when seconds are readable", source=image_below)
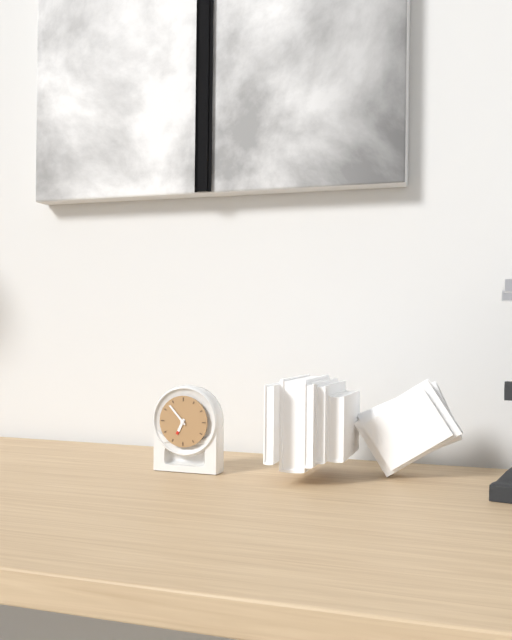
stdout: h=6 m=53
